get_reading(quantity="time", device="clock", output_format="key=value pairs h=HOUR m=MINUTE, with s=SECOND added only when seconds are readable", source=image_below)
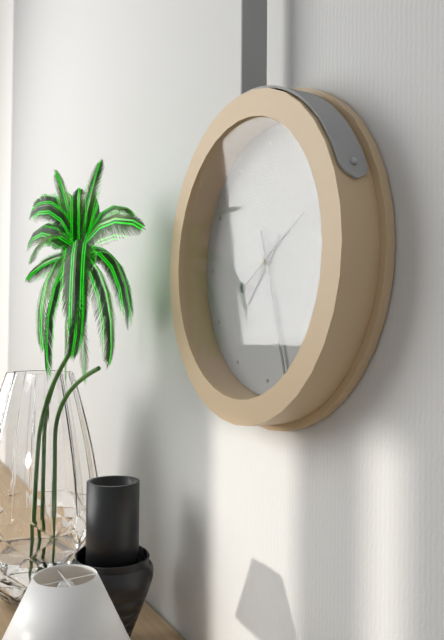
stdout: h=7 m=27 s=10
